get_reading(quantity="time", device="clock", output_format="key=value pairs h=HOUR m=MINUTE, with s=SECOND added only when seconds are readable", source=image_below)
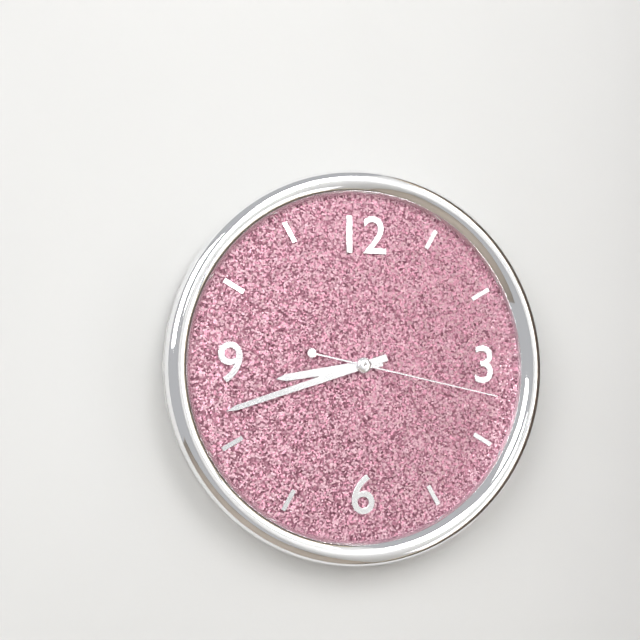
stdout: h=8 m=42 s=17
